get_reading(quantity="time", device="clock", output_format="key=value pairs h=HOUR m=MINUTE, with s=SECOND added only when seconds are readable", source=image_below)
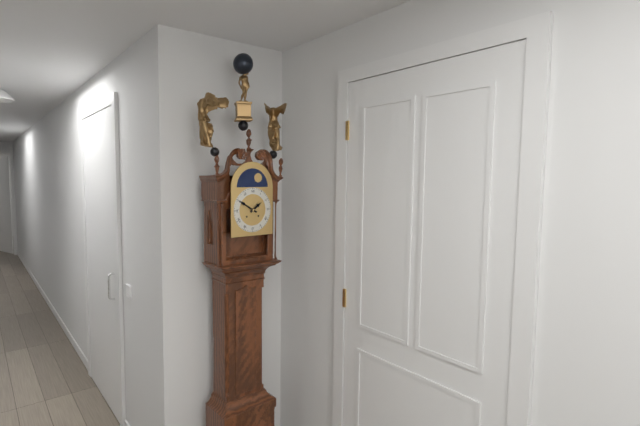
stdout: h=1 m=50
